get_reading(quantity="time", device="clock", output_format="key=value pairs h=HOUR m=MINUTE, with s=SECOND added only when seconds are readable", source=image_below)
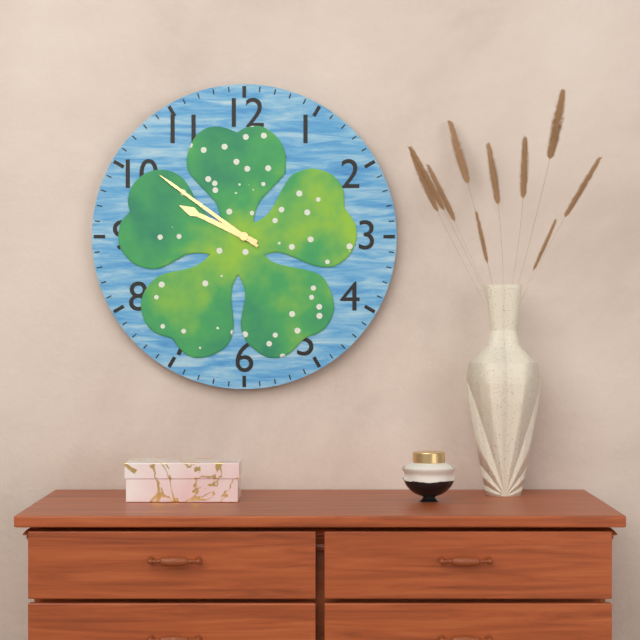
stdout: h=9 m=51
